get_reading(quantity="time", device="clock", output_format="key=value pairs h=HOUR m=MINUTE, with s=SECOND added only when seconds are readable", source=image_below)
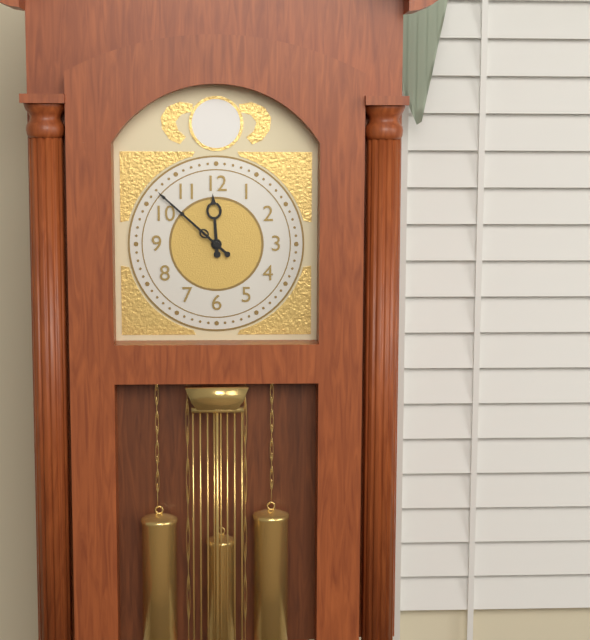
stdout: h=11 m=52
